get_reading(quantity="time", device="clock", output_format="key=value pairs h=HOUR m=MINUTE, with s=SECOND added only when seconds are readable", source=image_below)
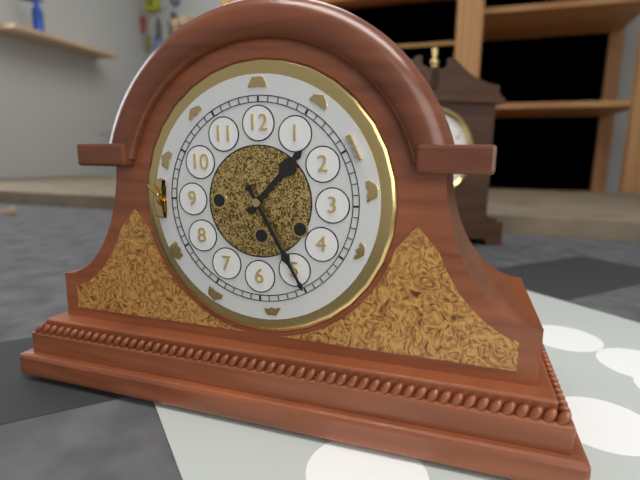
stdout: h=1 m=25
